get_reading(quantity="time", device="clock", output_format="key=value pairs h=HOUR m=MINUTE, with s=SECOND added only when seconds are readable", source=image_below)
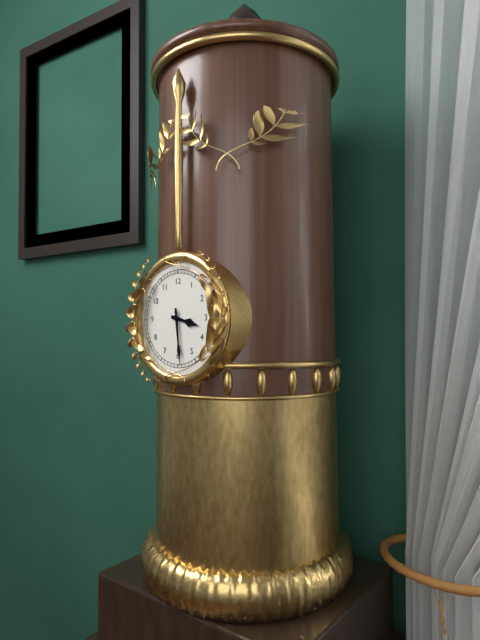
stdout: h=3 m=29
